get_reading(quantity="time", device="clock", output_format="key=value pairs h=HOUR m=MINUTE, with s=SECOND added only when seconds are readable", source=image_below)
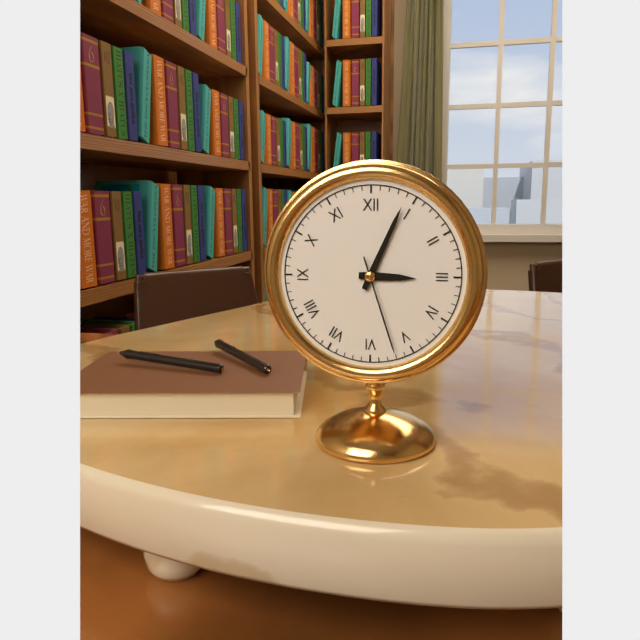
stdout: h=3 m=4 s=27
